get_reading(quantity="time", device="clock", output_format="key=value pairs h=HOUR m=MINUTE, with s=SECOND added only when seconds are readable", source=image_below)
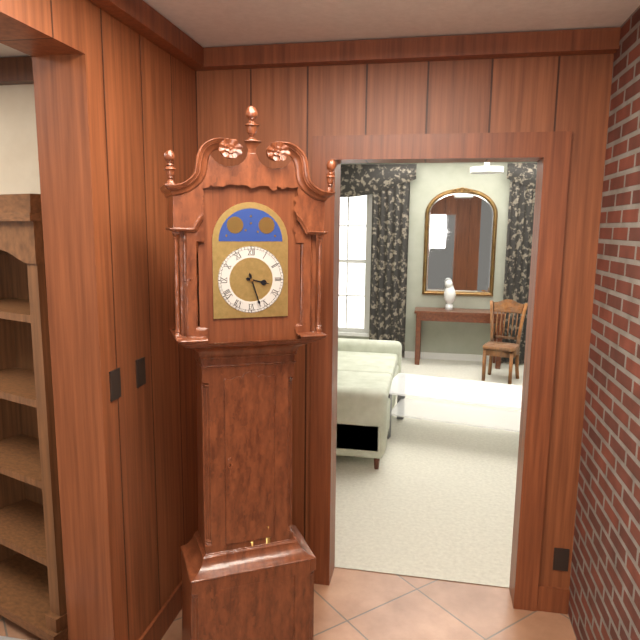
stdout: h=3 m=27
